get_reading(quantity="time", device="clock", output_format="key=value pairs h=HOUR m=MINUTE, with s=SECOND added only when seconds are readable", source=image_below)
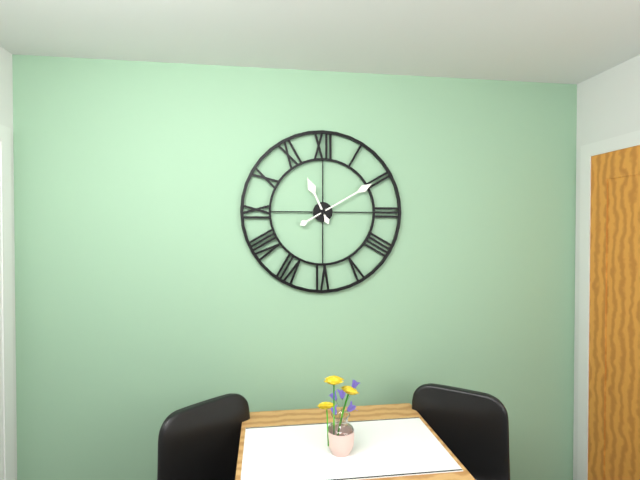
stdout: h=11 m=10
